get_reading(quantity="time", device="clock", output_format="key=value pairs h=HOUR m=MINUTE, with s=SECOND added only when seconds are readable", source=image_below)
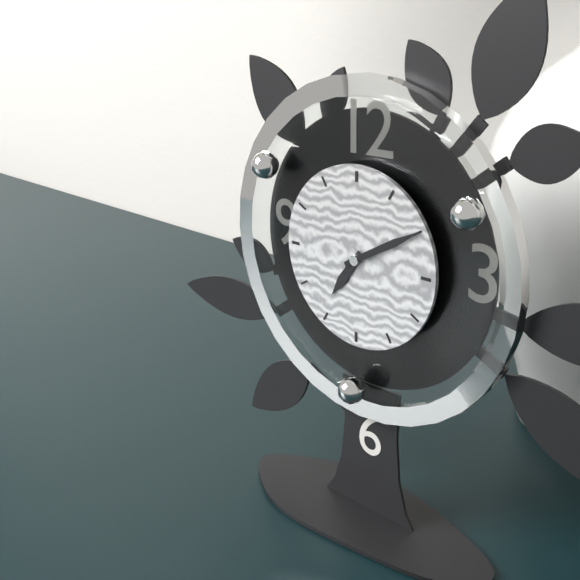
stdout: h=7 m=10
